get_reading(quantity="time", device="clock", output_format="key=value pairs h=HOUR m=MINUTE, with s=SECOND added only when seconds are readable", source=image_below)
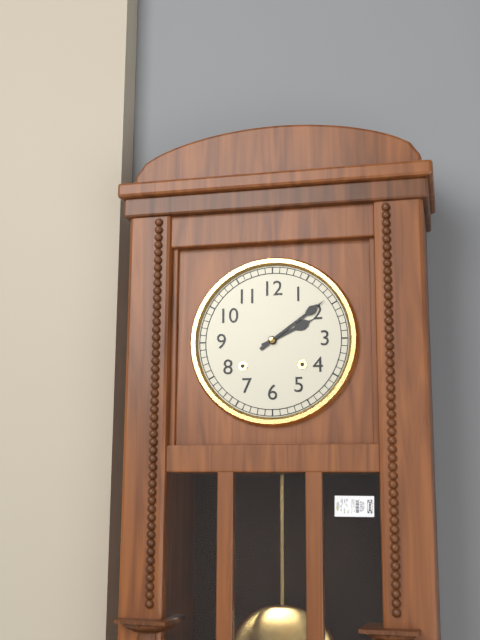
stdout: h=2 m=9
